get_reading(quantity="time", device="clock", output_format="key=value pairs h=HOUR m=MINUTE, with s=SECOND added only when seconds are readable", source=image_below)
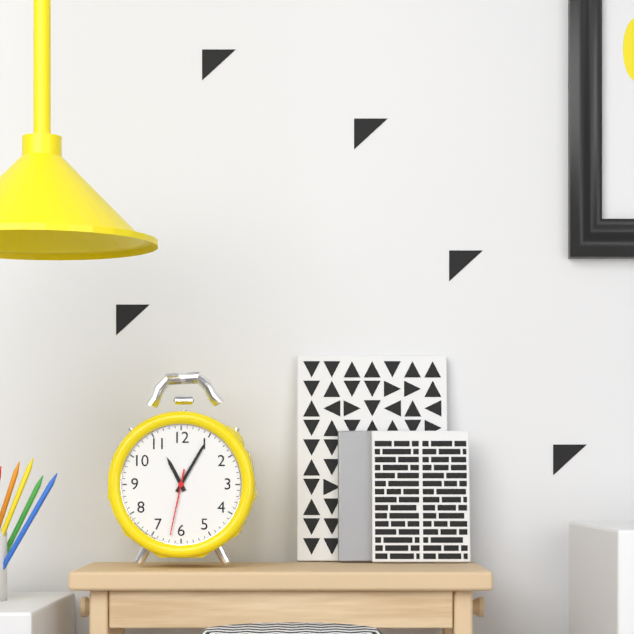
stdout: h=11 m=5 s=32
